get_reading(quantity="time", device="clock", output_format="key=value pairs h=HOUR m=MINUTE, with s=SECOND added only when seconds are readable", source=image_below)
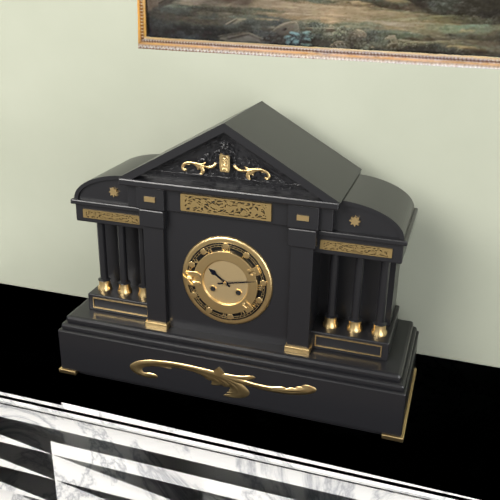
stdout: h=10 m=13
